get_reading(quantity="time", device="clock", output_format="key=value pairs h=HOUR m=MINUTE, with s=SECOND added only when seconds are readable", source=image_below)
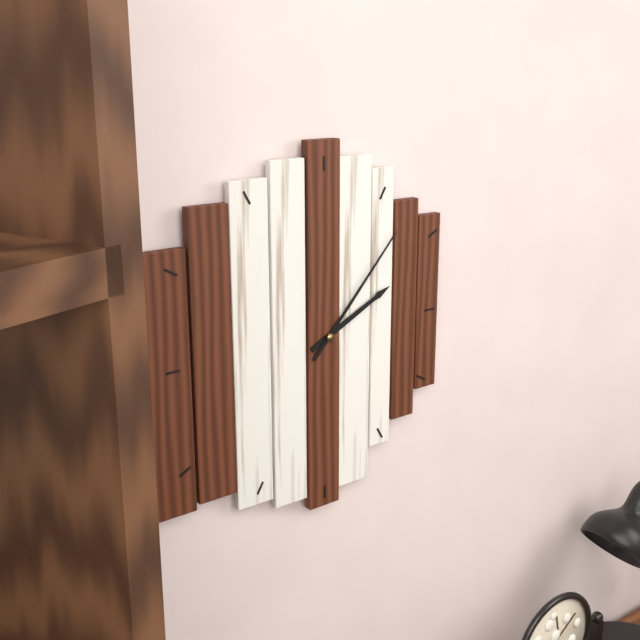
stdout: h=2 m=7
